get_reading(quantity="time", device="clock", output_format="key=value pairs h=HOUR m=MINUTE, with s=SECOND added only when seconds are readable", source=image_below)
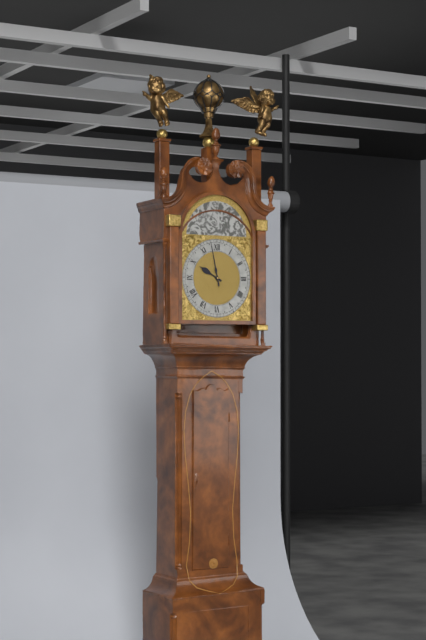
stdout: h=9 m=58
